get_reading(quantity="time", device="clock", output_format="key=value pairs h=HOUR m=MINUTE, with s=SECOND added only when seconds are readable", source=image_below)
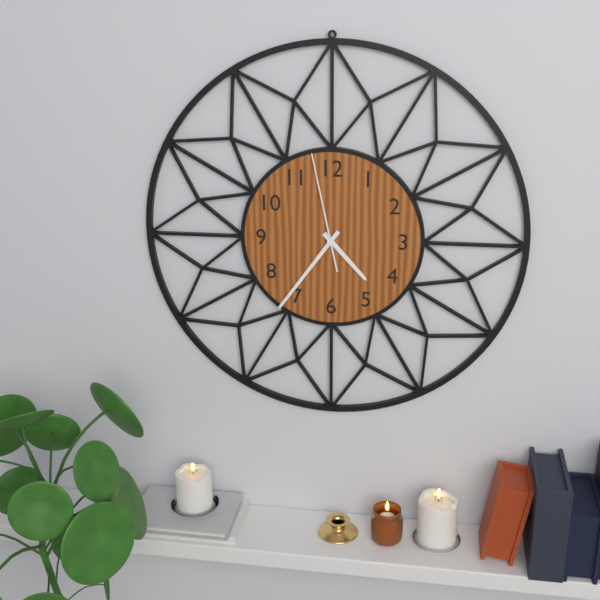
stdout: h=4 m=36 s=58
